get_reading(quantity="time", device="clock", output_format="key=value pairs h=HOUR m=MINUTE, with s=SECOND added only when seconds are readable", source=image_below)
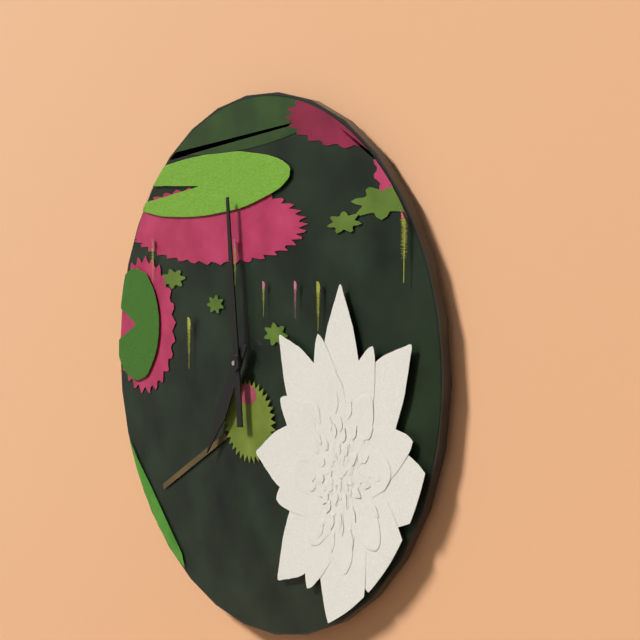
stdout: h=6 m=59
